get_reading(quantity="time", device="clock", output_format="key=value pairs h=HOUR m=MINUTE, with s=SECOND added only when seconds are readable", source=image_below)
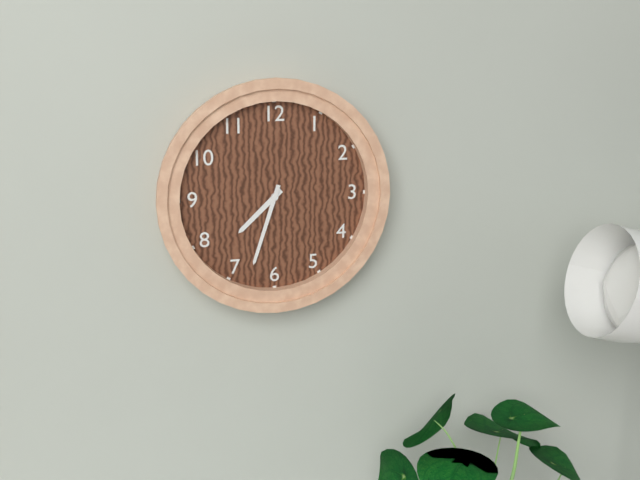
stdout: h=7 m=33
